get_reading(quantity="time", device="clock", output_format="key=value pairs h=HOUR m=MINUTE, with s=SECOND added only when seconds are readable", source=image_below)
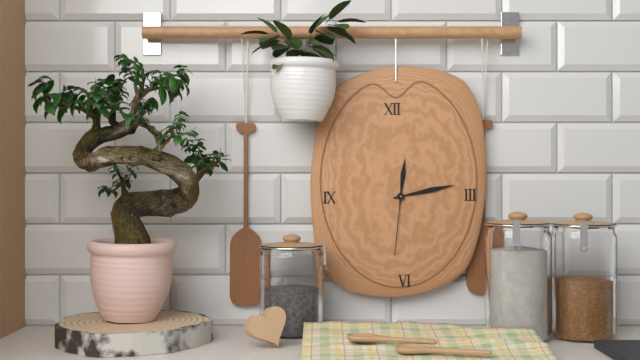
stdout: h=12 m=13 s=31
